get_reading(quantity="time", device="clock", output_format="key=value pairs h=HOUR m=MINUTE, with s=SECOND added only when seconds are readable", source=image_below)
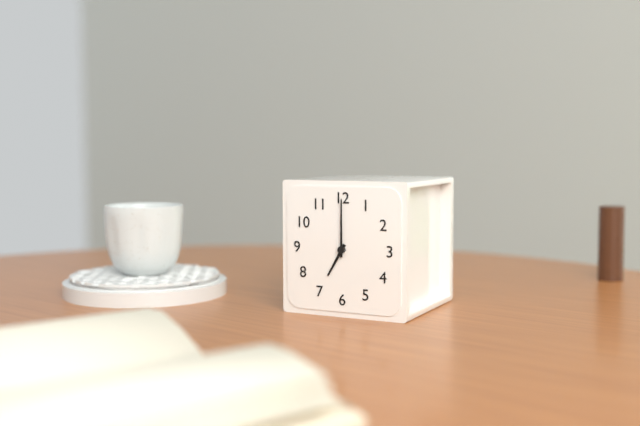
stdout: h=7 m=0
